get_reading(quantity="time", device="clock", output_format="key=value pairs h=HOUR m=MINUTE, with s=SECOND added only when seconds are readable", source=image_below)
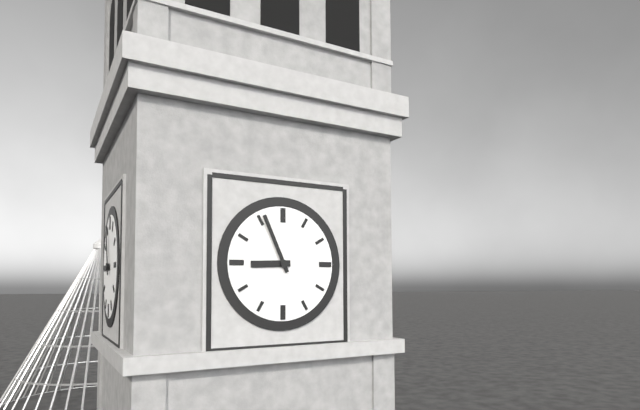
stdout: h=8 m=56
